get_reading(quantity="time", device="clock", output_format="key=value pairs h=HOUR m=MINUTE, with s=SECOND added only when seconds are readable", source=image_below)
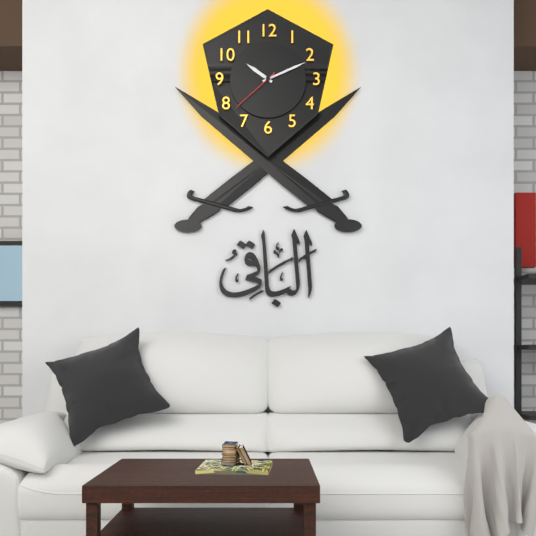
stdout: h=10 m=11 s=38
